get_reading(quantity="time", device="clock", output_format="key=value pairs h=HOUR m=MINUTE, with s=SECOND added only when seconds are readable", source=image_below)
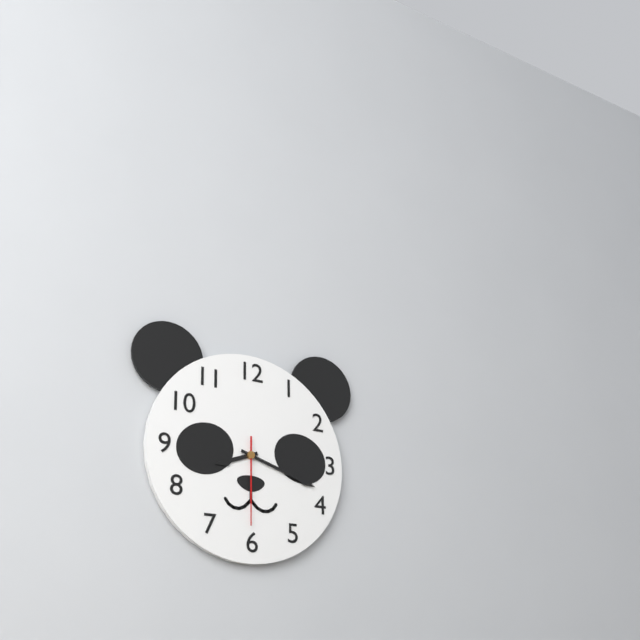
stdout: h=8 m=18 s=30
